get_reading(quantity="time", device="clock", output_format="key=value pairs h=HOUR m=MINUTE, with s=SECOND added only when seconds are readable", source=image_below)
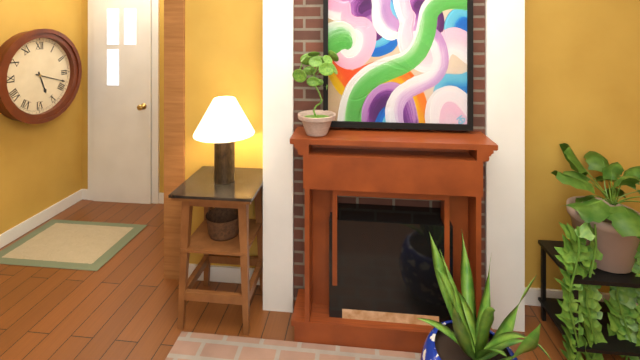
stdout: h=5 m=18
